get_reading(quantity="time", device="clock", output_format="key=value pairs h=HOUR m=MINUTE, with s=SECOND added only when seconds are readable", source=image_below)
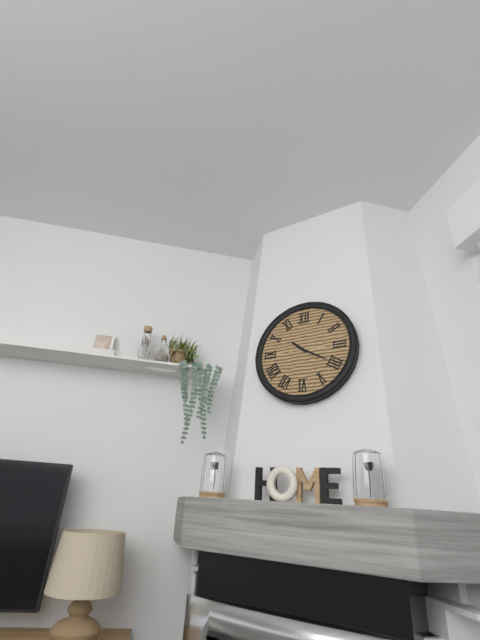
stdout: h=10 m=20
